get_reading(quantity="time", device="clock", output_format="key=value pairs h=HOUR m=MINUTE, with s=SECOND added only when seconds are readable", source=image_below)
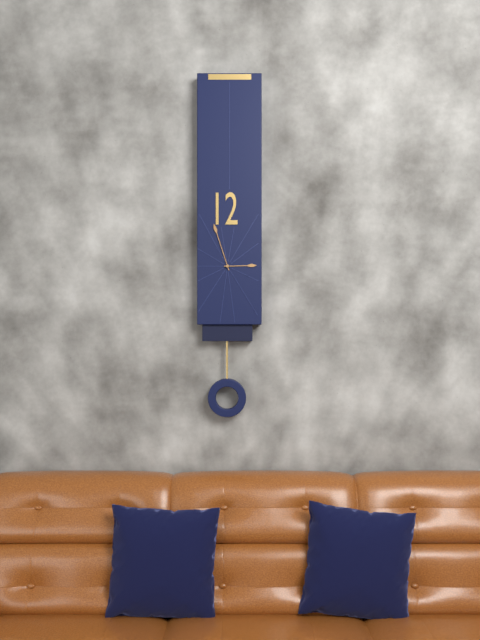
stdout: h=2 m=57
